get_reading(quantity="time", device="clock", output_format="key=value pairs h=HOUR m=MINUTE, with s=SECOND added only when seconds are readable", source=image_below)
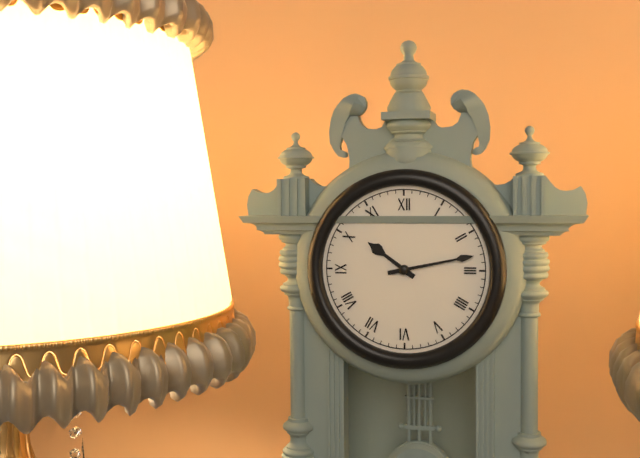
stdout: h=10 m=13
